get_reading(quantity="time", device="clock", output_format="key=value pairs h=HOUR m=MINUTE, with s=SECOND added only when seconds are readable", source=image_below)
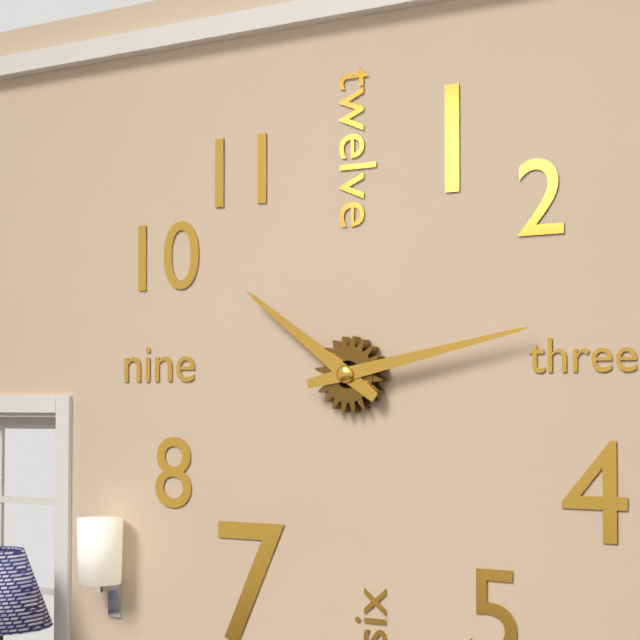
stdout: h=10 m=13
